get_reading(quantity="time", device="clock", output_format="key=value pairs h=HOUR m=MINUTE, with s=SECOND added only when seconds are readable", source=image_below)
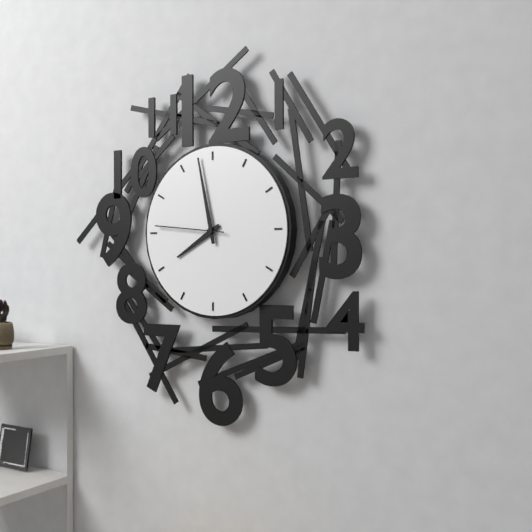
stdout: h=7 m=58 s=46
